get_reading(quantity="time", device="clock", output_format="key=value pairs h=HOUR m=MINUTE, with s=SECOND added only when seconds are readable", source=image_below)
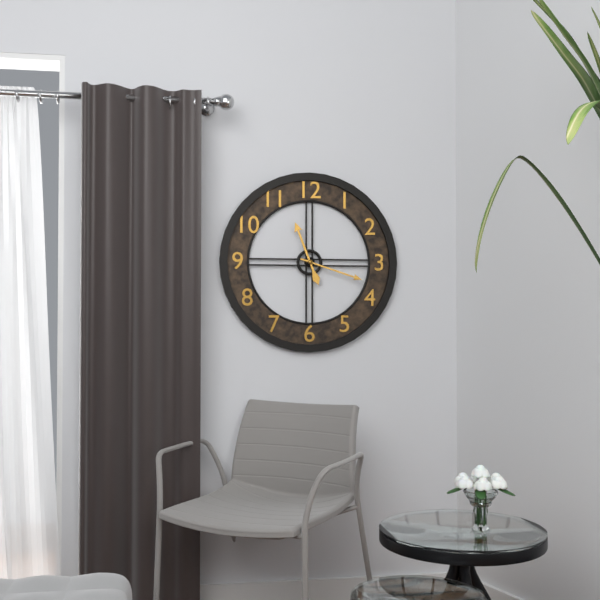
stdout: h=11 m=18
